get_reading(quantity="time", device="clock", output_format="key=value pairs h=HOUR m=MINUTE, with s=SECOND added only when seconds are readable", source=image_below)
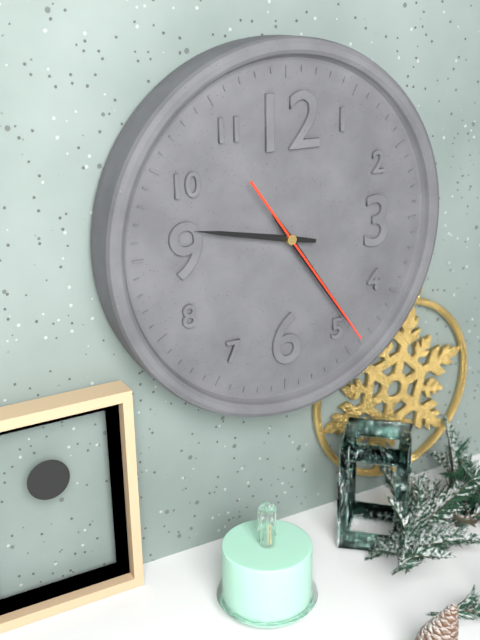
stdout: h=9 m=24 s=24
